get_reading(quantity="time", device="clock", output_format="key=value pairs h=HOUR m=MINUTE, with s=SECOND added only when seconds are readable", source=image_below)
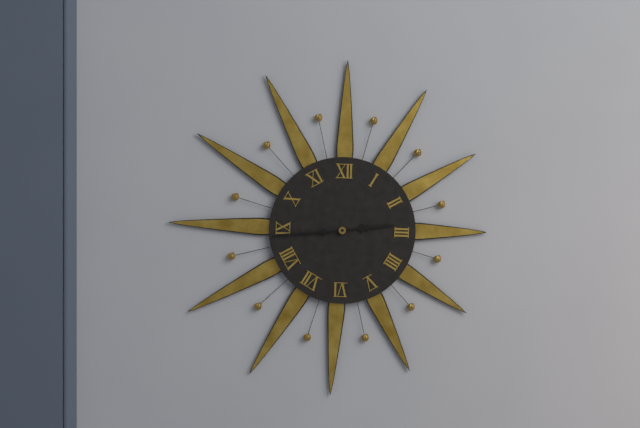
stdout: h=2 m=44
